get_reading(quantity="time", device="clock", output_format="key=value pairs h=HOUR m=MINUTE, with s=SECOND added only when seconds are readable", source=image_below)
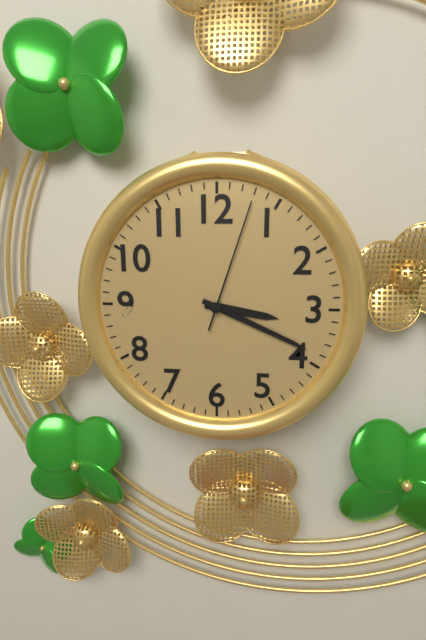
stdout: h=3 m=19 s=3
